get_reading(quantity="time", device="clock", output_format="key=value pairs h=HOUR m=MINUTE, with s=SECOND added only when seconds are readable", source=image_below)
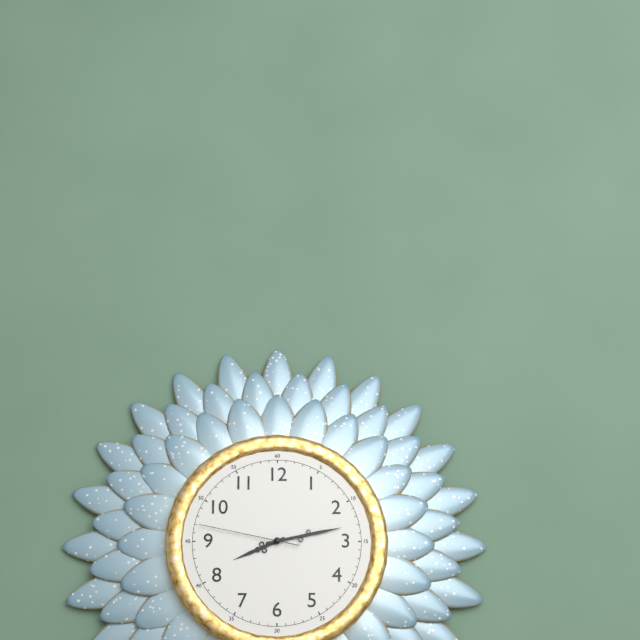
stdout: h=8 m=13 s=47
